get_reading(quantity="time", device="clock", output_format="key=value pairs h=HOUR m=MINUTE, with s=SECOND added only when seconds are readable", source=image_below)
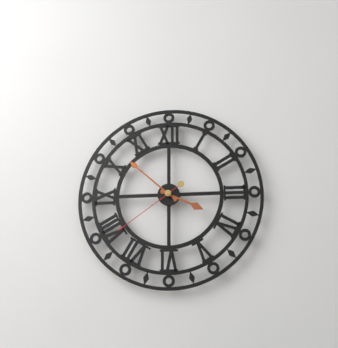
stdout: h=3 m=52 s=39
